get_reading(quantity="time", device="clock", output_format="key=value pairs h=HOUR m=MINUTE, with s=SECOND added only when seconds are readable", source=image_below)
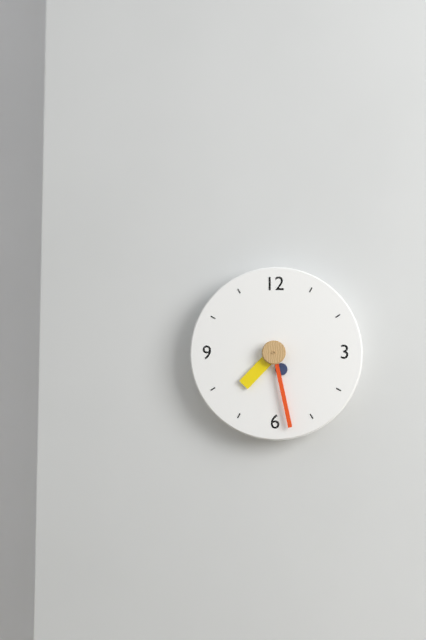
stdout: h=7 m=28
